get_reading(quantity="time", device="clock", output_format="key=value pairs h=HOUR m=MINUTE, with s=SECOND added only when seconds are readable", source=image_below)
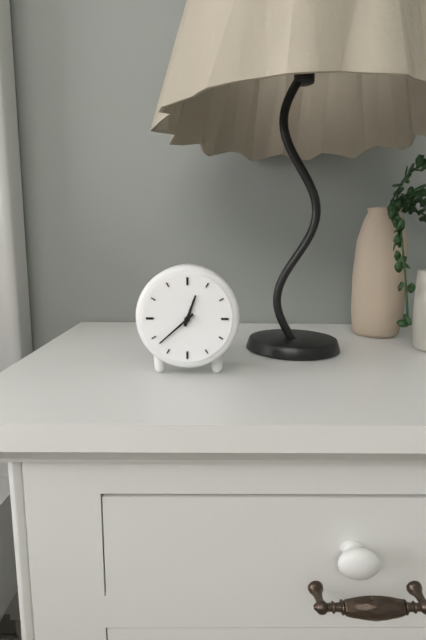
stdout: h=12 m=38
